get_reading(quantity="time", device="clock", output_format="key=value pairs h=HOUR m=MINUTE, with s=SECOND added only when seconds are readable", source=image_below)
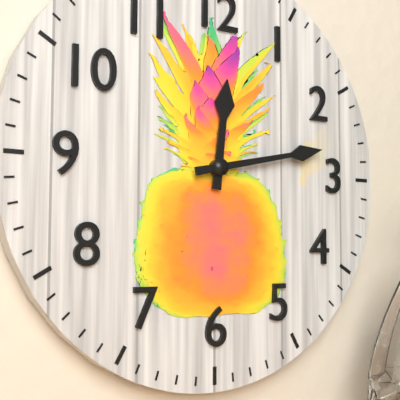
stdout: h=12 m=13
